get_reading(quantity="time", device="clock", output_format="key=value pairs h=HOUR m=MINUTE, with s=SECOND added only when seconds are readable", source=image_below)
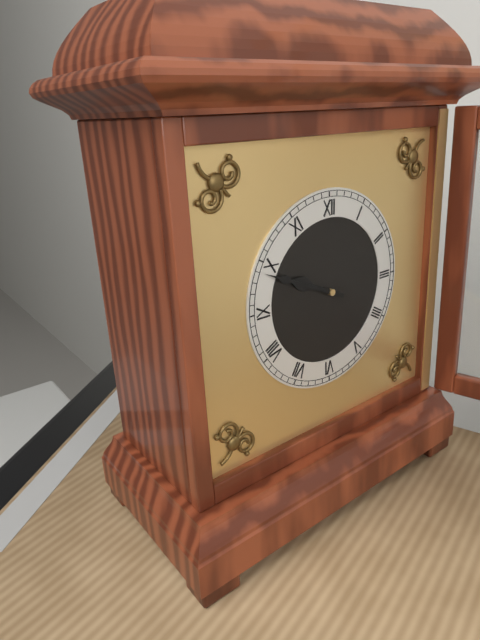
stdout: h=9 m=49
